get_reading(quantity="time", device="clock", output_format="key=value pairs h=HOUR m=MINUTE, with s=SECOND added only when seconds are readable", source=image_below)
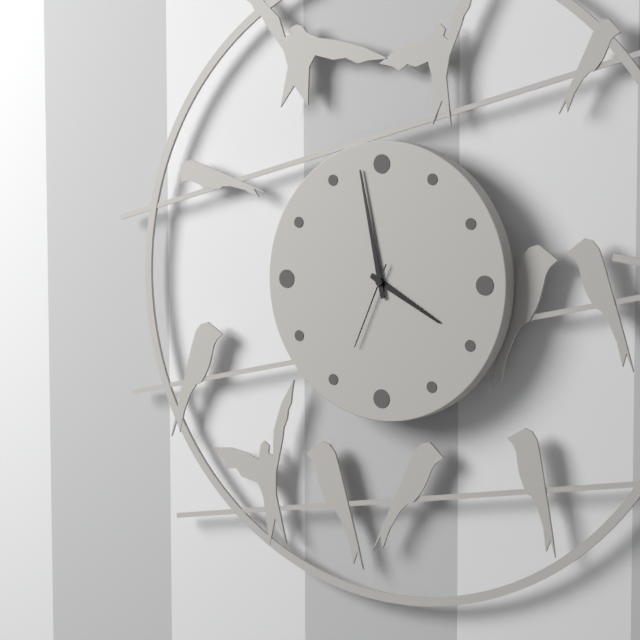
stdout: h=3 m=58 s=34
